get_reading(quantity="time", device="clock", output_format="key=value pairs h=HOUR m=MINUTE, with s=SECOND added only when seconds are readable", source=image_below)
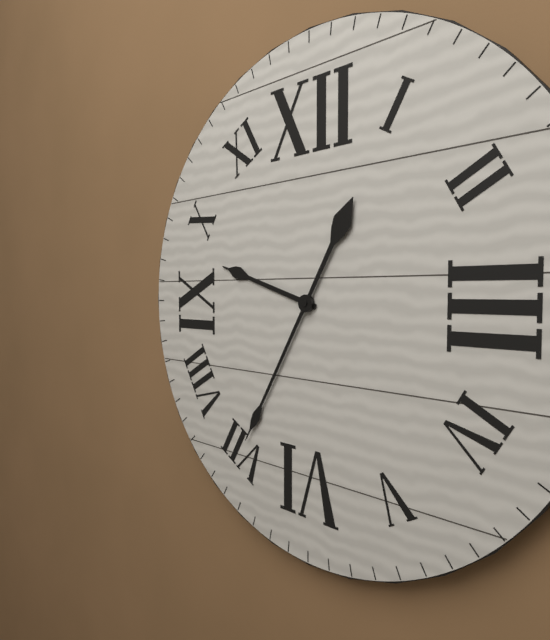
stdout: h=9 m=35
